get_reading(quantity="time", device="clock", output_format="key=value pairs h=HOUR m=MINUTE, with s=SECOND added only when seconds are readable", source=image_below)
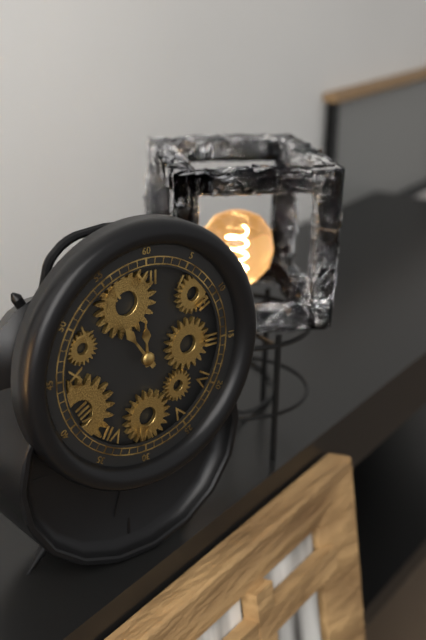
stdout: h=11 m=54
